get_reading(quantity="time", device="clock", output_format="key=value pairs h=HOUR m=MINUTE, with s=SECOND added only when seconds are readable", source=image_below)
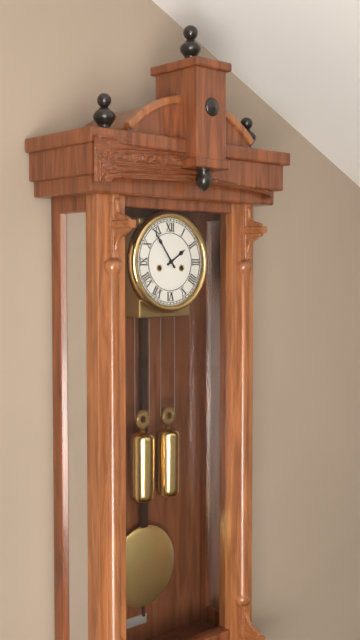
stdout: h=1 m=54
